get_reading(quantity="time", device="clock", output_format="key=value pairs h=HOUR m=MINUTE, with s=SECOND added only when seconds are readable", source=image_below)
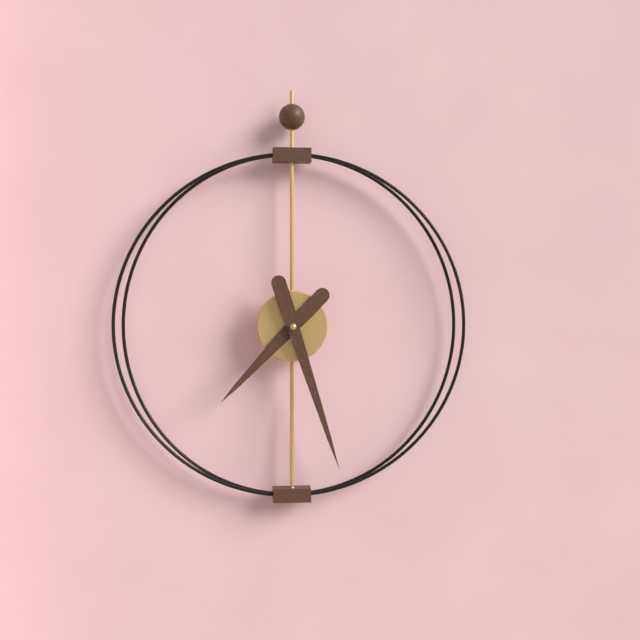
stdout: h=7 m=27
